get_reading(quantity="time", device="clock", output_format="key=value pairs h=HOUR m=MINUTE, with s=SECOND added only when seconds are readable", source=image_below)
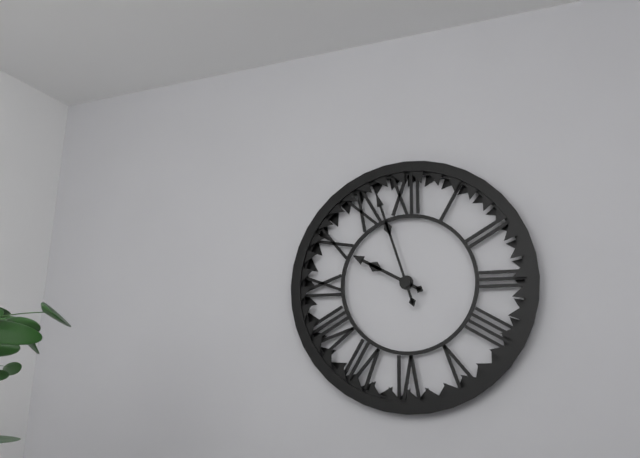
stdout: h=9 m=57
